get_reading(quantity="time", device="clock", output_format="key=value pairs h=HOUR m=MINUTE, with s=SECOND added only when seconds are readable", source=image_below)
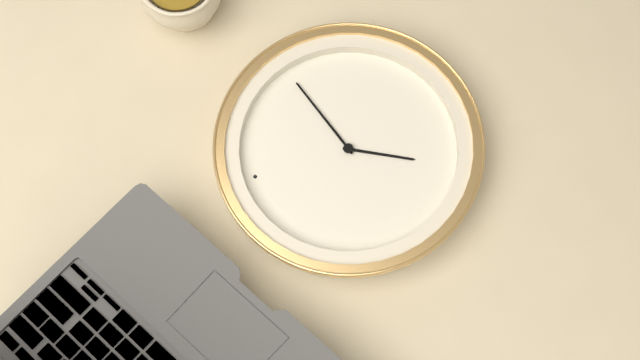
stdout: h=6 m=8
